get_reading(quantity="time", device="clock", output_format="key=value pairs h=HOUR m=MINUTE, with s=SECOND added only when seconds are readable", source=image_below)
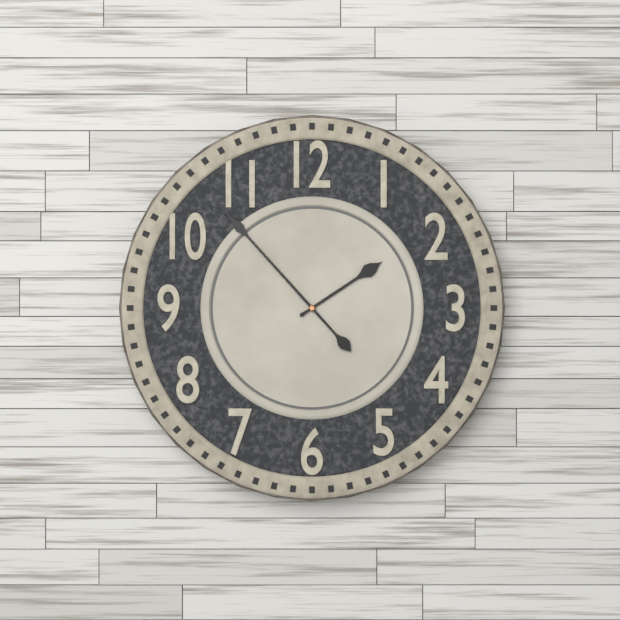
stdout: h=1 m=53
